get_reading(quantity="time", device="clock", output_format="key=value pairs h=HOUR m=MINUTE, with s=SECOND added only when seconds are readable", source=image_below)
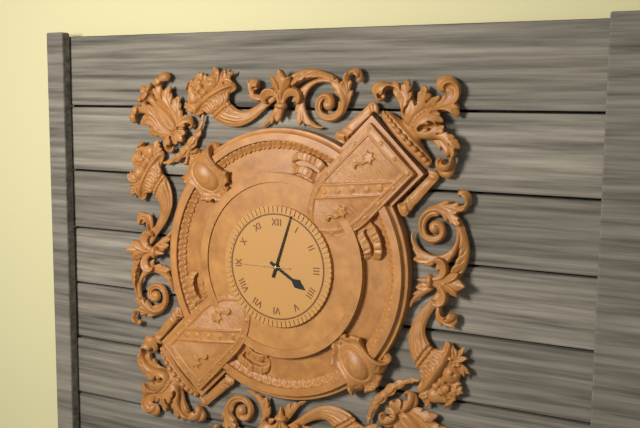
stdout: h=4 m=3 s=45
